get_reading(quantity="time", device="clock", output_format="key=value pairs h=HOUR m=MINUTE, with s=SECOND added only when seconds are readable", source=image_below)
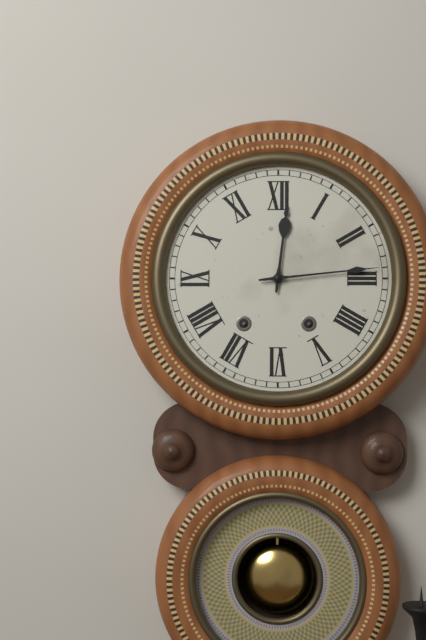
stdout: h=12 m=14
